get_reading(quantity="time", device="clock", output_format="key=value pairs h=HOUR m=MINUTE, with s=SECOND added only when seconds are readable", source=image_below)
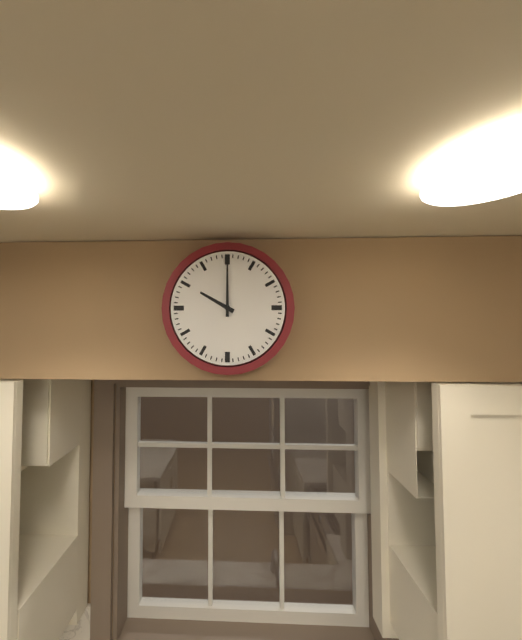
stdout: h=10 m=0
